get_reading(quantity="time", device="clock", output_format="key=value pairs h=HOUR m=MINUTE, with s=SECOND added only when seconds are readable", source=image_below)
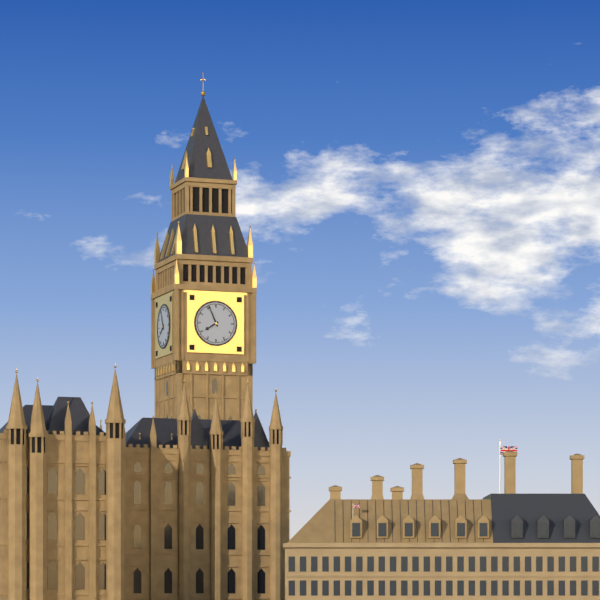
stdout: h=7 m=56
